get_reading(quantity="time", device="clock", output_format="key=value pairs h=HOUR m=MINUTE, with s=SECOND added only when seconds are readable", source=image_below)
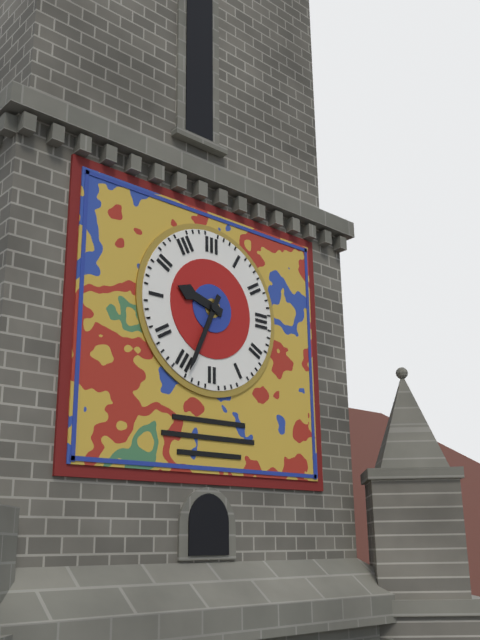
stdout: h=9 m=34
